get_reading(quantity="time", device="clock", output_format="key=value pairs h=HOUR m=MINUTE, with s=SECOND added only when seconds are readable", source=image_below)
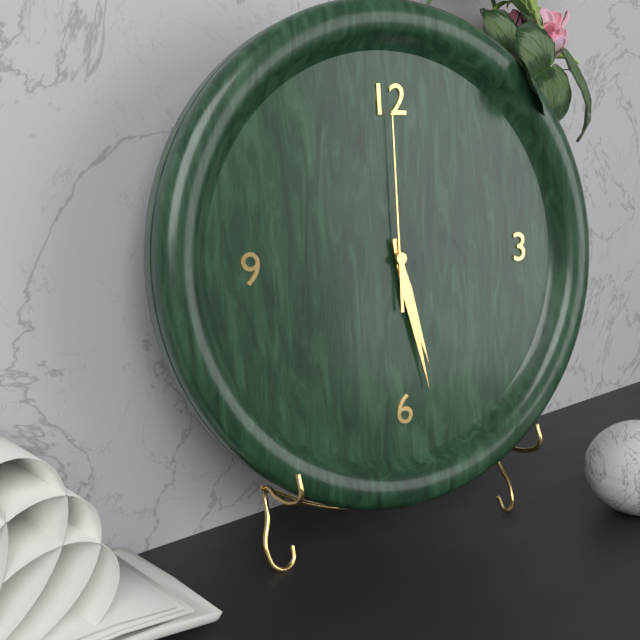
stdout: h=5 m=28 s=0
